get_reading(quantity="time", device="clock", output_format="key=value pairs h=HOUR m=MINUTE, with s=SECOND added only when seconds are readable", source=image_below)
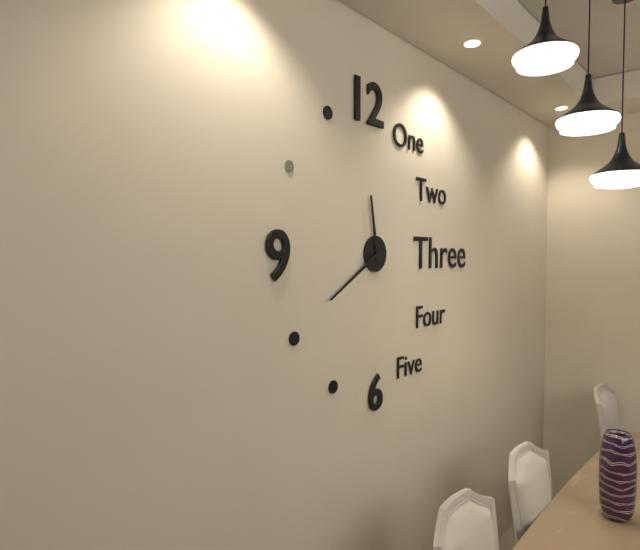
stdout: h=11 m=40
